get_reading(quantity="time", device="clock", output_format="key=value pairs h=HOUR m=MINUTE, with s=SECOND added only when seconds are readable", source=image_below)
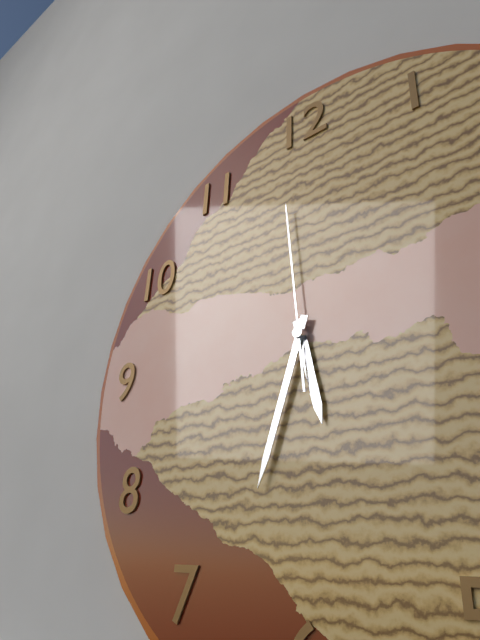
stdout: h=5 m=33 s=59
